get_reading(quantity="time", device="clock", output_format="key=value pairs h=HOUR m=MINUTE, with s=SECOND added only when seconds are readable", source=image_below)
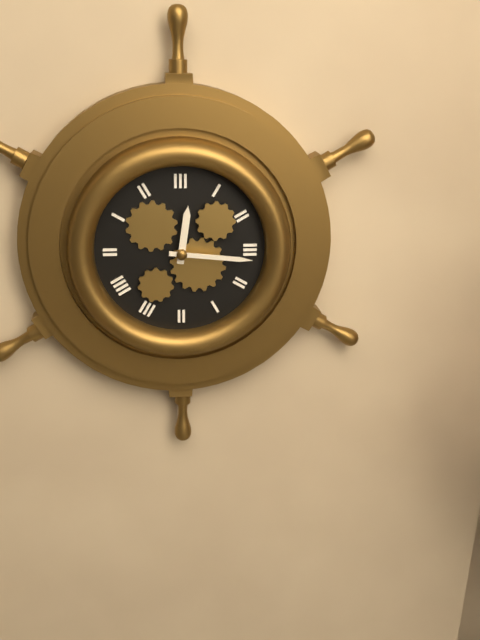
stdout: h=12 m=16
